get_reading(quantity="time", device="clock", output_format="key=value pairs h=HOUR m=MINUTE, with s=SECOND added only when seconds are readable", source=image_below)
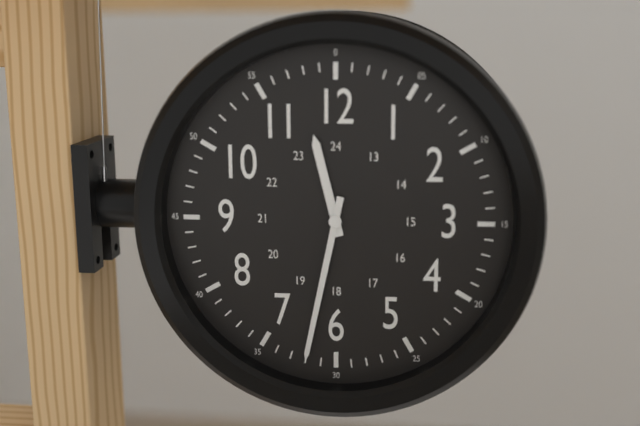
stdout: h=11 m=32
